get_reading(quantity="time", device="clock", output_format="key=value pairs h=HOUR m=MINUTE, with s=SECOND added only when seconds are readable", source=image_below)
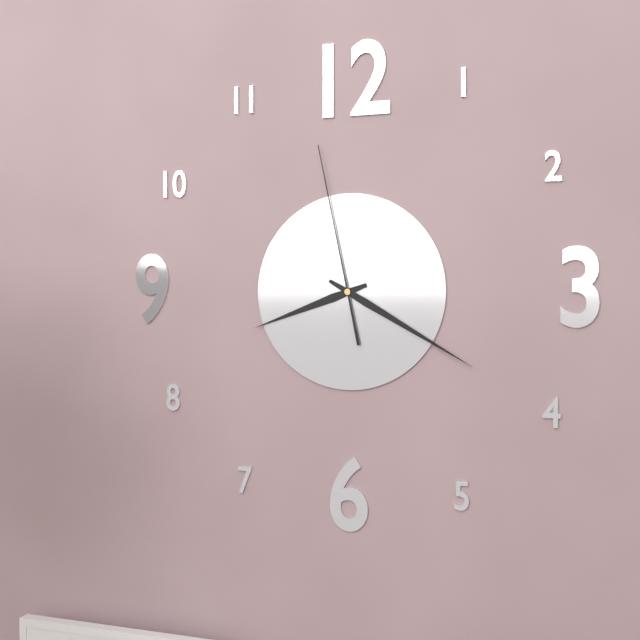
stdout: h=8 m=20 s=58
